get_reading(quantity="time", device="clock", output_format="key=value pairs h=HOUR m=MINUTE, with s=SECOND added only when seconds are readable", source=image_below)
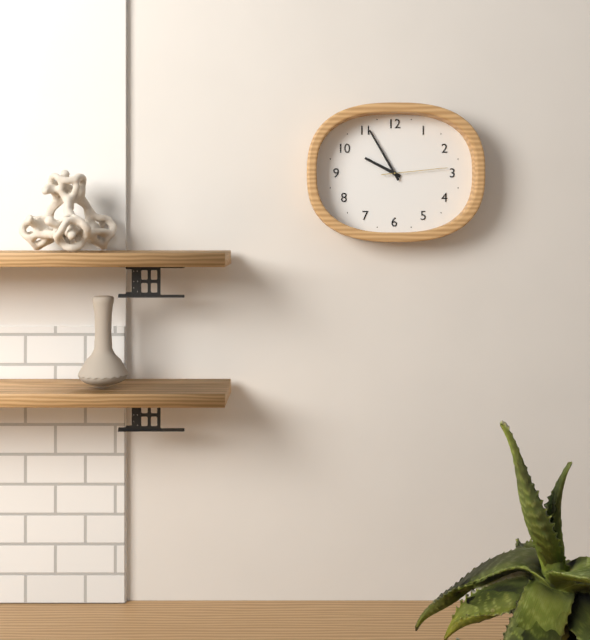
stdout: h=9 m=55 s=14
